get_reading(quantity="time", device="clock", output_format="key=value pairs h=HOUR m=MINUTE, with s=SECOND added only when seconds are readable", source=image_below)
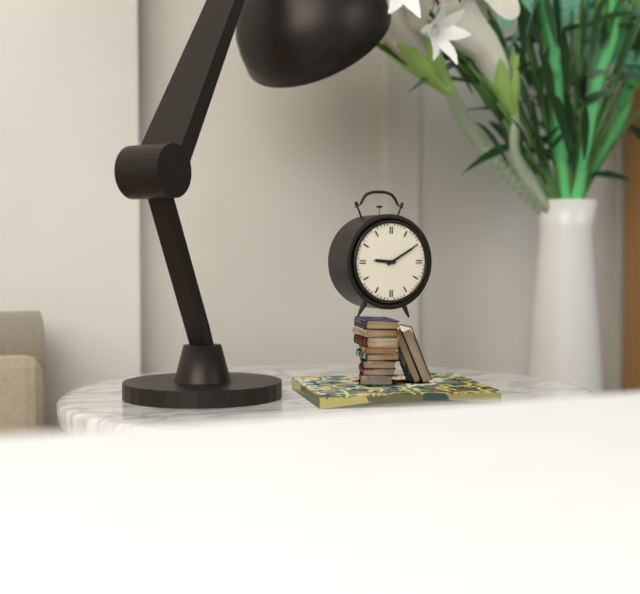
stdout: h=9 m=10
